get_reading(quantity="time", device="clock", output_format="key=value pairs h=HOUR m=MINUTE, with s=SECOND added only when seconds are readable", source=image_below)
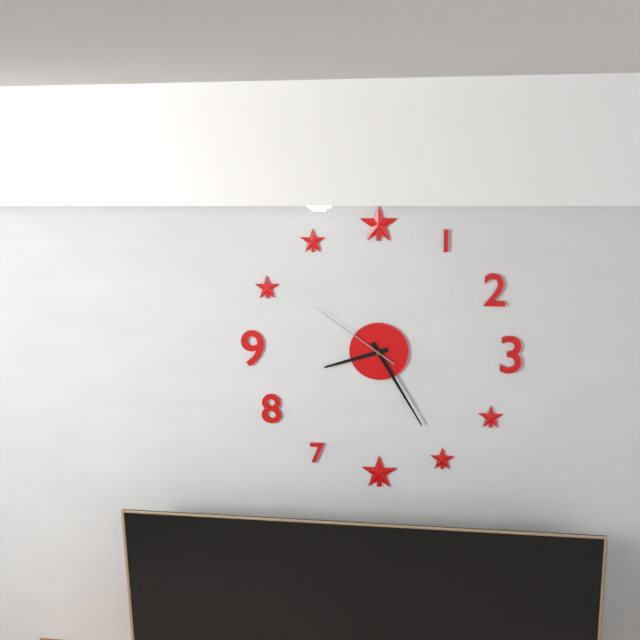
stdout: h=8 m=25 s=51
